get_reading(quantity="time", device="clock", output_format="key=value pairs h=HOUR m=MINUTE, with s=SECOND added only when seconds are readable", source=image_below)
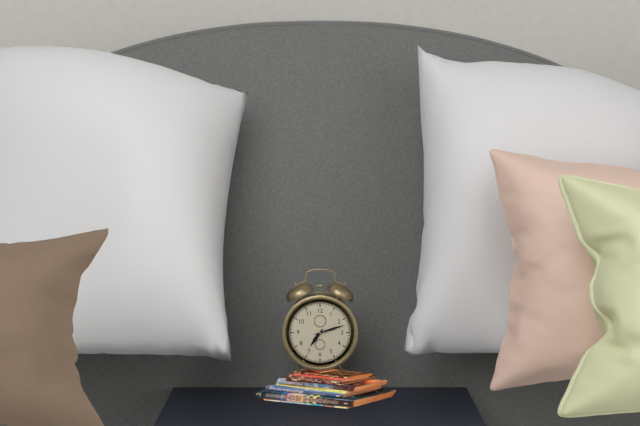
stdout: h=7 m=12
